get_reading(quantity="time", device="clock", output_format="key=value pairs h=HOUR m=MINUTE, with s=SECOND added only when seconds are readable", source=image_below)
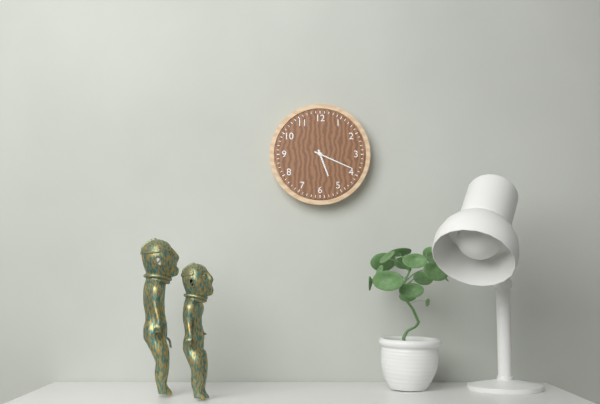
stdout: h=5 m=19
